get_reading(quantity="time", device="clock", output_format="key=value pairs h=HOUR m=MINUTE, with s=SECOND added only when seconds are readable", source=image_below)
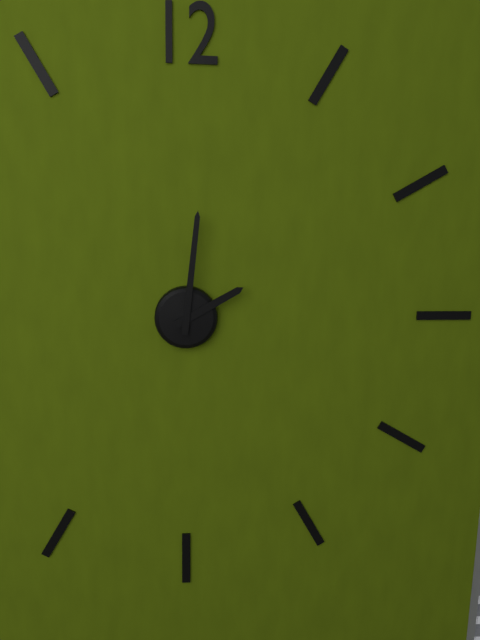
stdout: h=2 m=1
